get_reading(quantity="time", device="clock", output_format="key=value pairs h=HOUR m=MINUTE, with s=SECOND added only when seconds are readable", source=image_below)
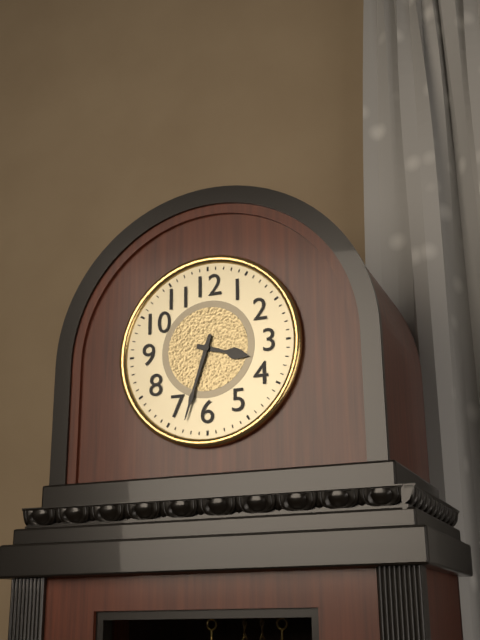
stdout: h=3 m=33
